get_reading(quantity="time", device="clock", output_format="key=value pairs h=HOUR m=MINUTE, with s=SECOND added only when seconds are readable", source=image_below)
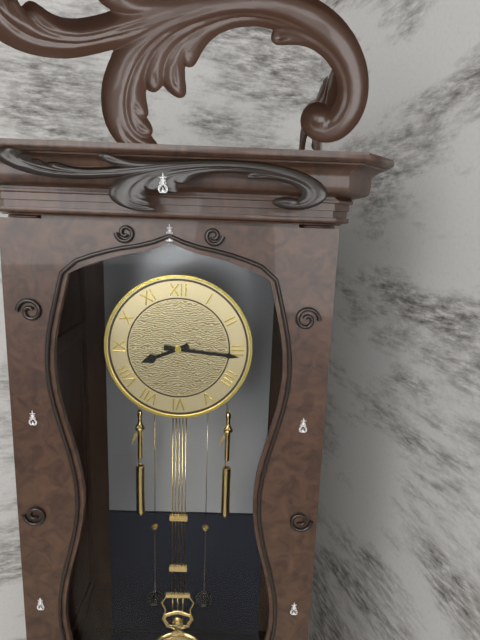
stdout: h=8 m=16
